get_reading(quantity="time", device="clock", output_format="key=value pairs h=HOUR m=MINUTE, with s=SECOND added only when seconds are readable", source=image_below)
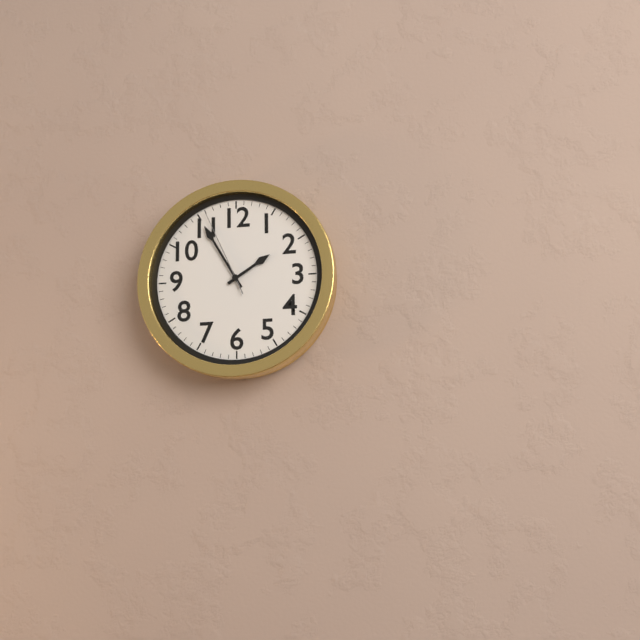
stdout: h=1 m=55 s=56
